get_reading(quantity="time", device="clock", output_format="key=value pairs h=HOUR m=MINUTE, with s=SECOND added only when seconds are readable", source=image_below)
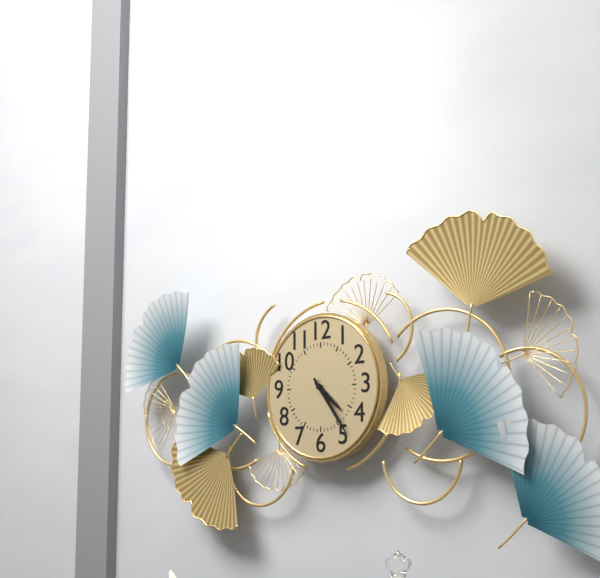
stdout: h=4 m=24
